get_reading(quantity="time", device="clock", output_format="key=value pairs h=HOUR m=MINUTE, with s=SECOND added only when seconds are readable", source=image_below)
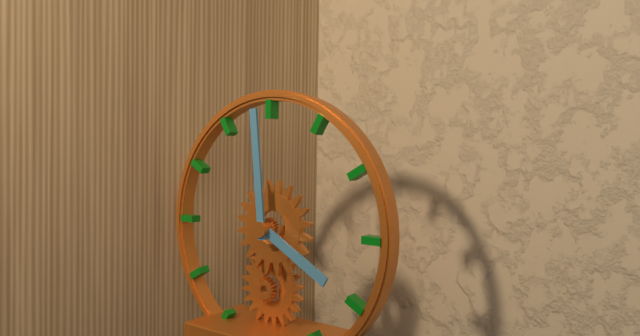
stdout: h=3 m=59
